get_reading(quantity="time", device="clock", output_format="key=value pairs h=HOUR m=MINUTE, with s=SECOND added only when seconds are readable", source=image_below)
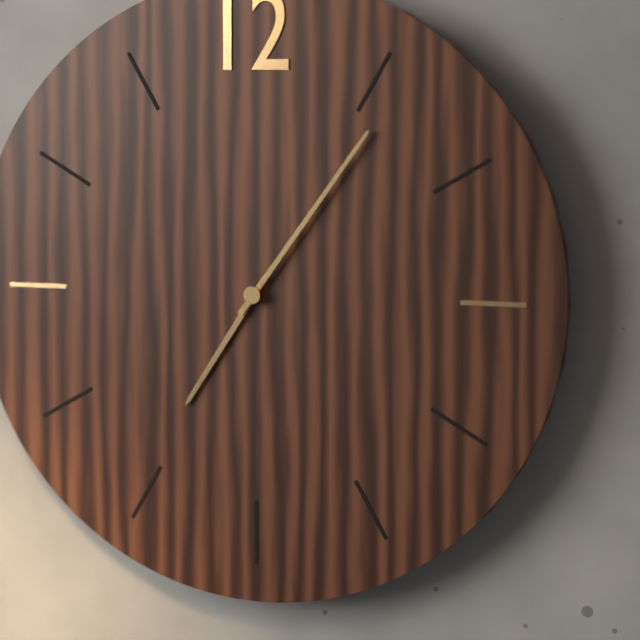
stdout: h=7 m=6
